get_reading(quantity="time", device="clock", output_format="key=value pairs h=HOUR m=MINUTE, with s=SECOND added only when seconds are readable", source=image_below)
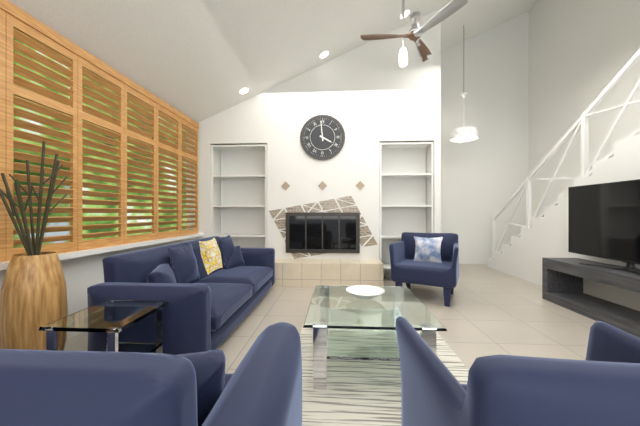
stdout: h=3 m=59
